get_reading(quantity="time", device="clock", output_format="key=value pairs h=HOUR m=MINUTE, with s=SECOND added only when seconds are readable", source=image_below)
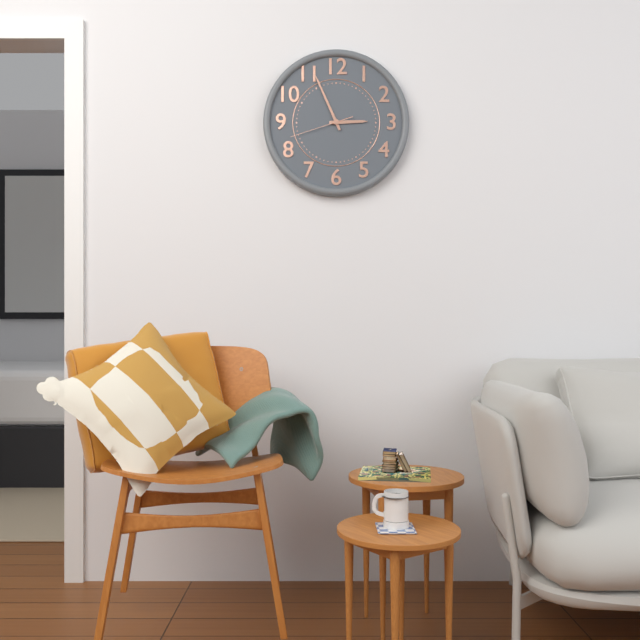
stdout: h=2 m=56 s=42
